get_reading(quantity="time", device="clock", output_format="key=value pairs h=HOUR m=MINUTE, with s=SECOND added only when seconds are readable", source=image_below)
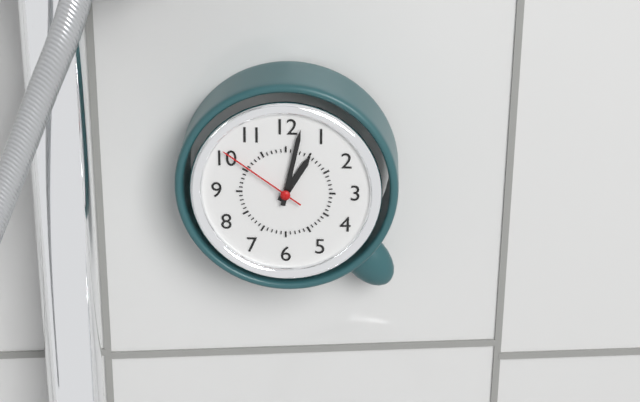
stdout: h=1 m=2 s=51
